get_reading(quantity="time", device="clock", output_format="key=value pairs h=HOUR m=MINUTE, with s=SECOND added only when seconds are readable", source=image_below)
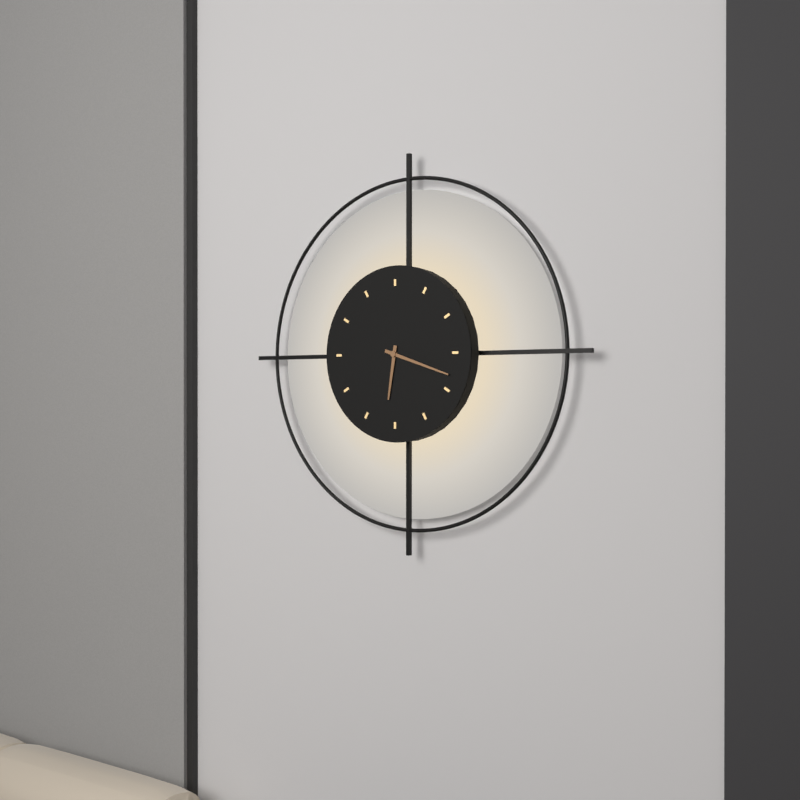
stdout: h=6 m=18
